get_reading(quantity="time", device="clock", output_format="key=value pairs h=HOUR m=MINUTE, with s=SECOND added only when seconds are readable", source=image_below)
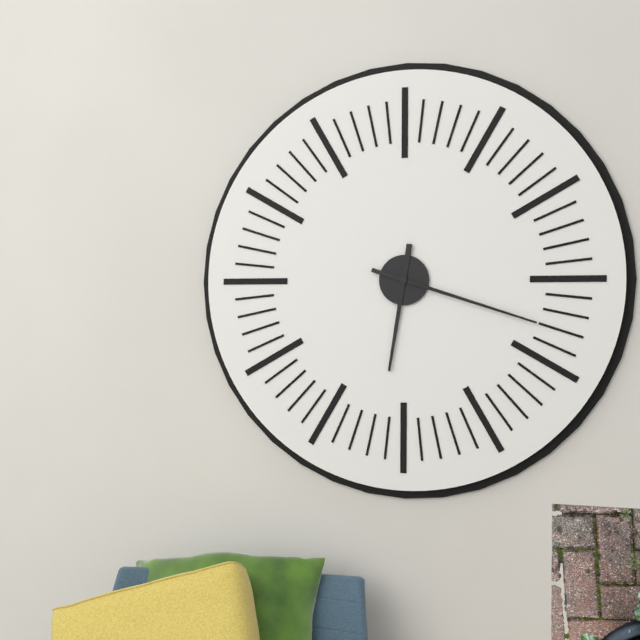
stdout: h=6 m=18
